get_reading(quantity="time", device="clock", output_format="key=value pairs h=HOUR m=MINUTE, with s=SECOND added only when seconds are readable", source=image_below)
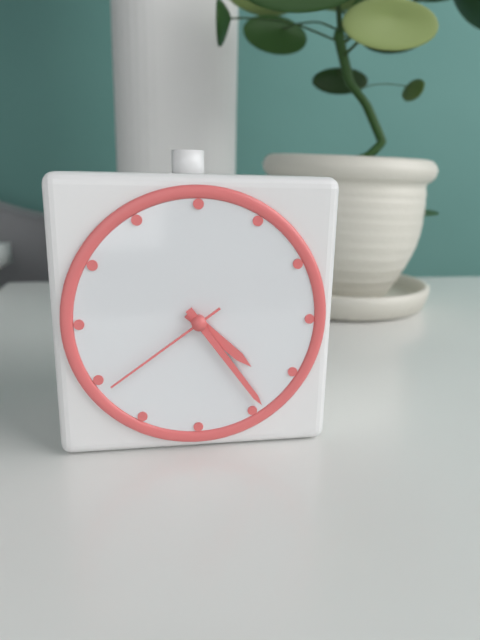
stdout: h=4 m=24 s=39
